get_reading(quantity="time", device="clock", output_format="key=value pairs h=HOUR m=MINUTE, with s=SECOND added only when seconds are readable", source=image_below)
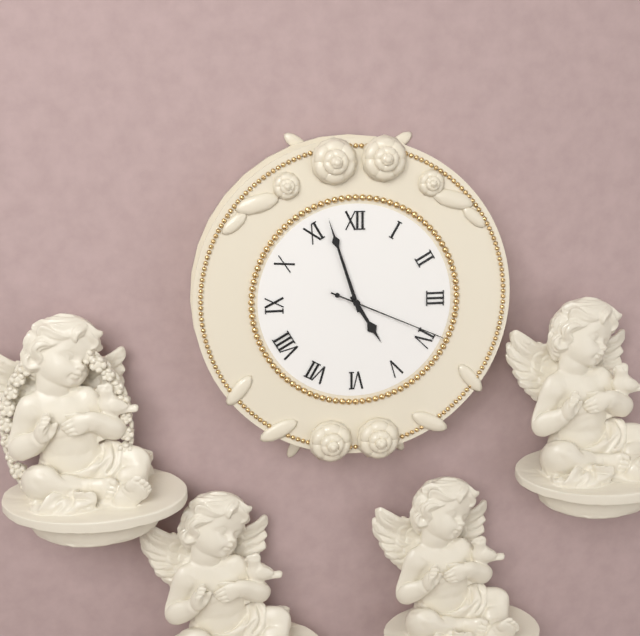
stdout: h=4 m=57 s=19
